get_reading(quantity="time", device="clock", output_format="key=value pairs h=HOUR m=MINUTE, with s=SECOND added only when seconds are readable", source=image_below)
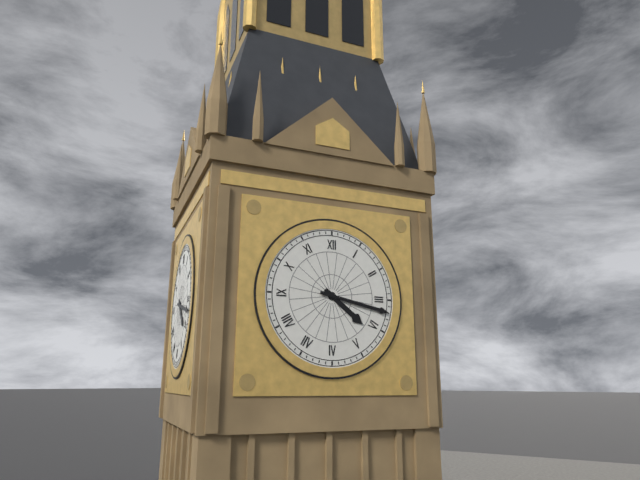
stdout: h=4 m=17
